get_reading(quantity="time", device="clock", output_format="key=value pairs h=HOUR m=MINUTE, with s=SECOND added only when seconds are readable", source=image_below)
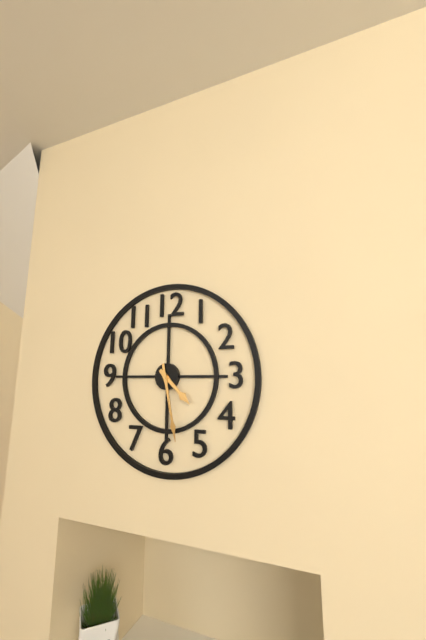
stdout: h=4 m=28
